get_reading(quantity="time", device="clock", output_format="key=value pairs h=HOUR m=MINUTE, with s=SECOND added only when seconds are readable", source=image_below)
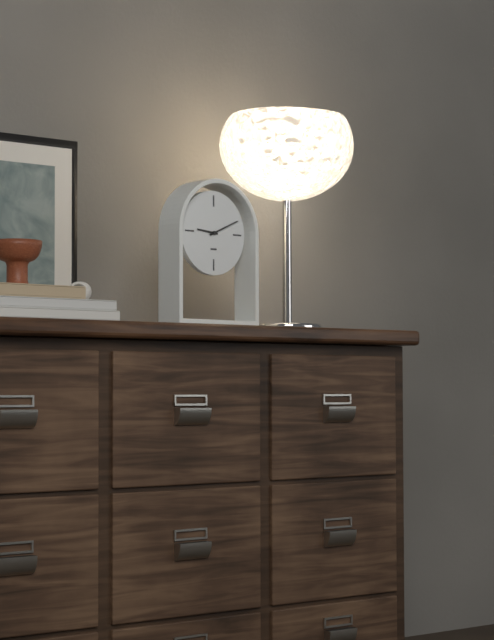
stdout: h=9 m=11
